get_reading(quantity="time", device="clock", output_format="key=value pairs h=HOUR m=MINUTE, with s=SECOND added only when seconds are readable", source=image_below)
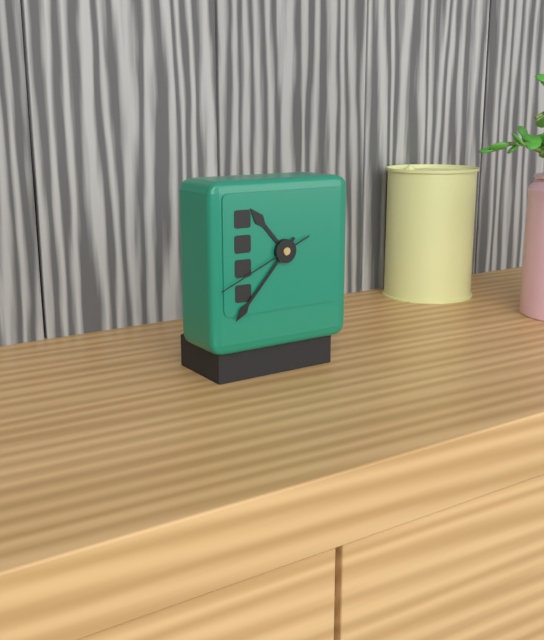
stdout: h=10 m=37 s=41
